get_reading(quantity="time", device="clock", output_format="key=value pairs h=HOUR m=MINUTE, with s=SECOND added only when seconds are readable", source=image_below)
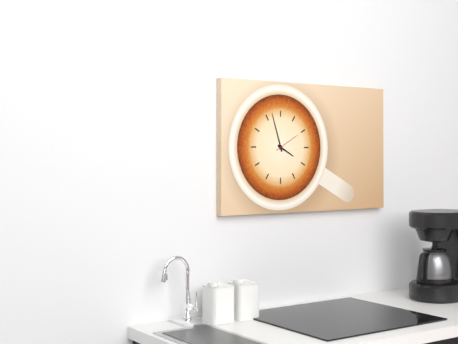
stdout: h=3 m=57
